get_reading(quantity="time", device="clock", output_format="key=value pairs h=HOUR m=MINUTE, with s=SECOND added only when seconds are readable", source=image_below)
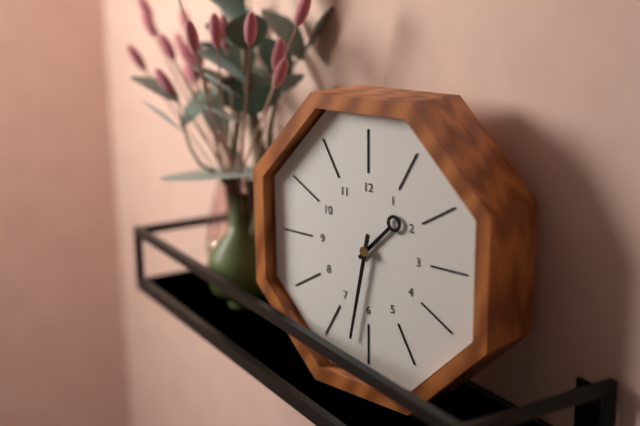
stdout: h=1 m=32
